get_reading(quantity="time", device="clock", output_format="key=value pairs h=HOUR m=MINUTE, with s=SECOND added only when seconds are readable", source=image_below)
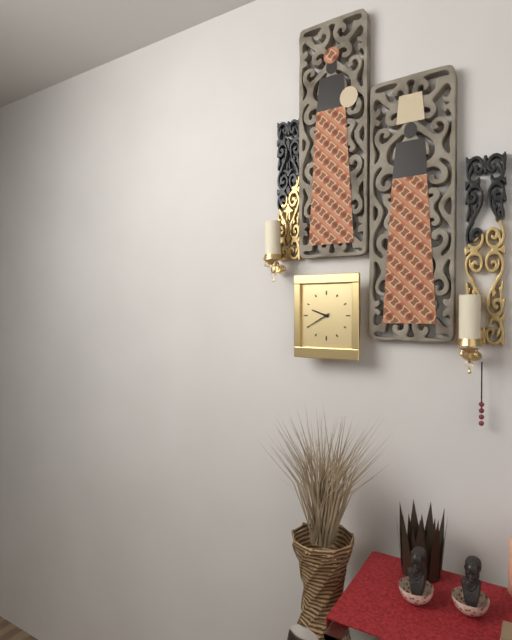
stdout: h=9 m=40
